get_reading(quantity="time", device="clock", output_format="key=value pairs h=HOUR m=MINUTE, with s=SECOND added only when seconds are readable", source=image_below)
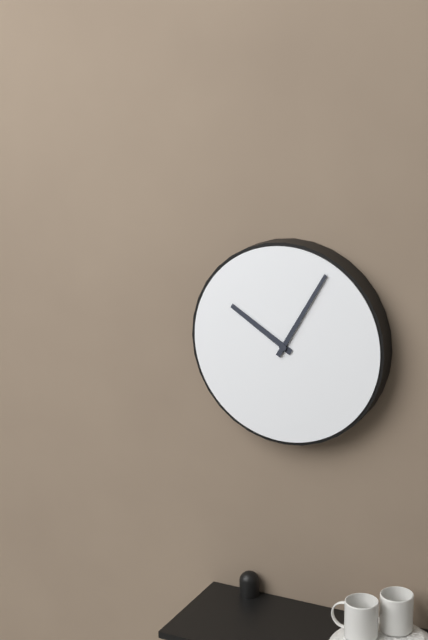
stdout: h=10 m=5
